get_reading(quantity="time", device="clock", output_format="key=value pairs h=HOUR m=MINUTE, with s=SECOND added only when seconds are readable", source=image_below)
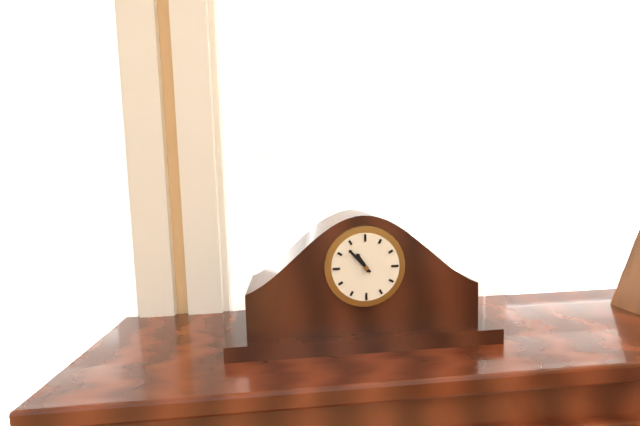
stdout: h=10 m=53
